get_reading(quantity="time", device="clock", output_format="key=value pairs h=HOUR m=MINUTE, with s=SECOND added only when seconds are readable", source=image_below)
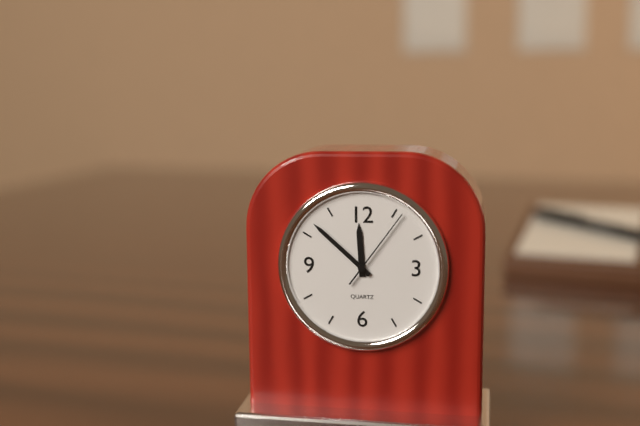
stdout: h=11 m=52 s=6
